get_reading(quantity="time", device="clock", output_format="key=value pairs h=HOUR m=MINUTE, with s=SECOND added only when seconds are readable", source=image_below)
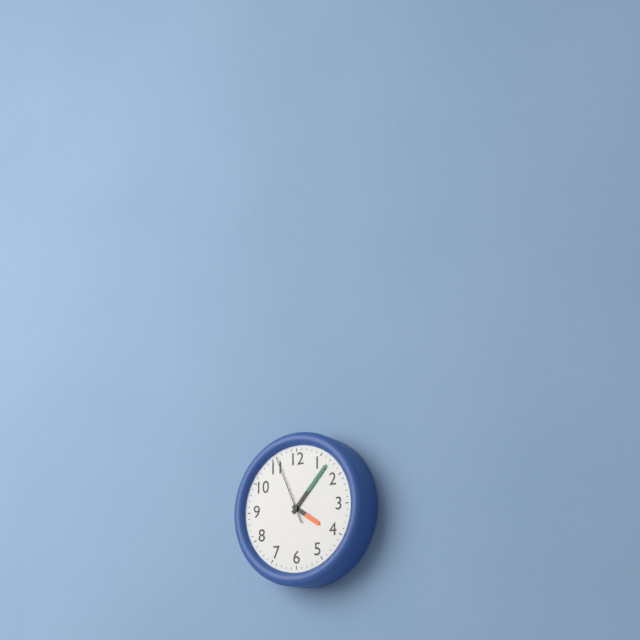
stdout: h=4 m=7 s=56
